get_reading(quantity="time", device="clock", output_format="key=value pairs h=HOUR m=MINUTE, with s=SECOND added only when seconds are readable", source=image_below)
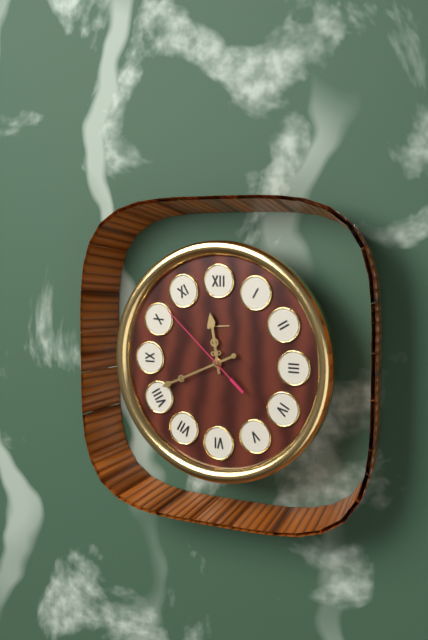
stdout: h=11 m=41 s=52
